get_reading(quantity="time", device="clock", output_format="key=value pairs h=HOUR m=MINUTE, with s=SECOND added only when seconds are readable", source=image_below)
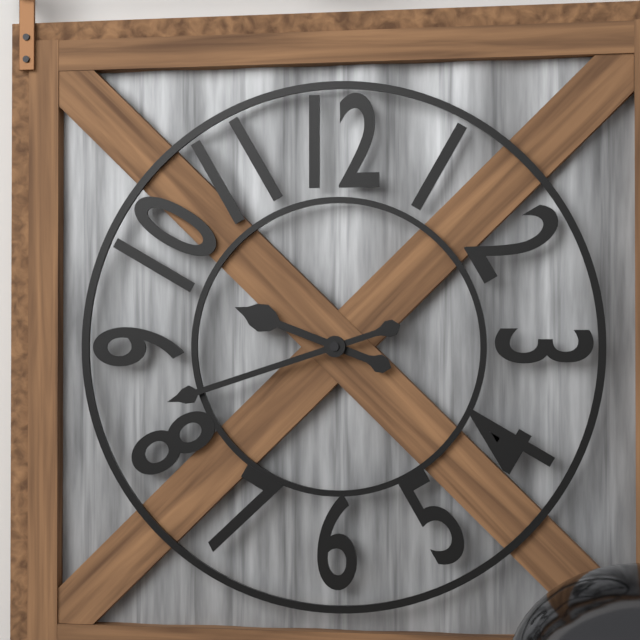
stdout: h=9 m=42
